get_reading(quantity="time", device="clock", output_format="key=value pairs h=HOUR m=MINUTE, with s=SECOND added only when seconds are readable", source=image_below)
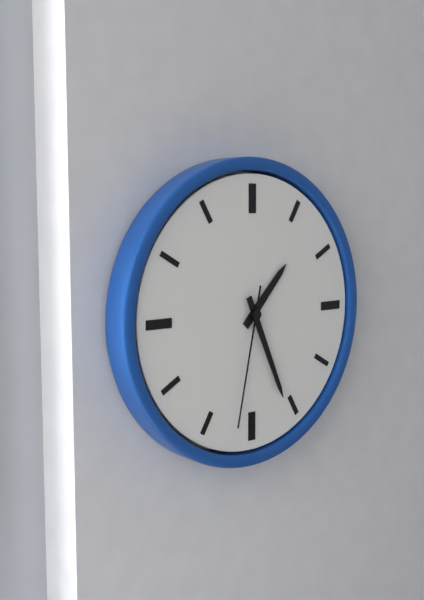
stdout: h=1 m=26 s=32
